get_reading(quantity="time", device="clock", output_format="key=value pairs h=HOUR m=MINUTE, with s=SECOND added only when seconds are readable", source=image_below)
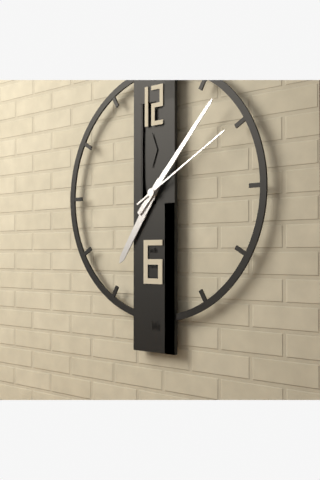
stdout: h=7 m=7 s=10
